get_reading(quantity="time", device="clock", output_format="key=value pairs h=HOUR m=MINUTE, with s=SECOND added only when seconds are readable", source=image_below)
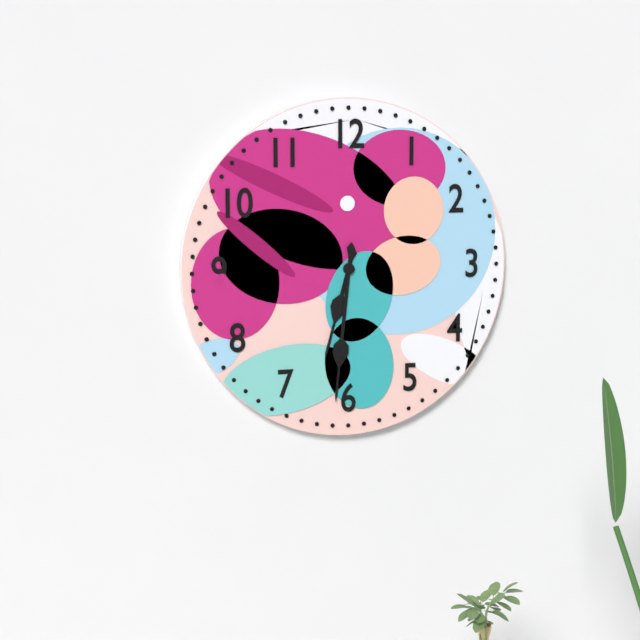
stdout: h=6 m=31
